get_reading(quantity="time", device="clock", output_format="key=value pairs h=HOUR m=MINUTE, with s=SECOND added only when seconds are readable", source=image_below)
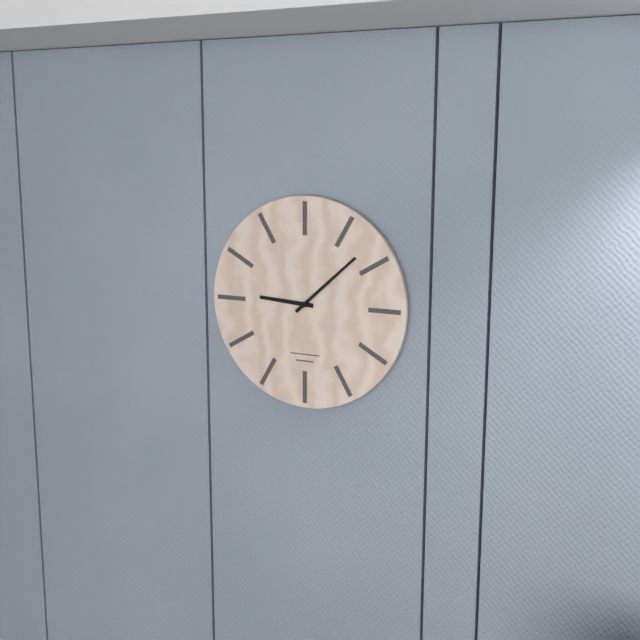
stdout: h=9 m=8
